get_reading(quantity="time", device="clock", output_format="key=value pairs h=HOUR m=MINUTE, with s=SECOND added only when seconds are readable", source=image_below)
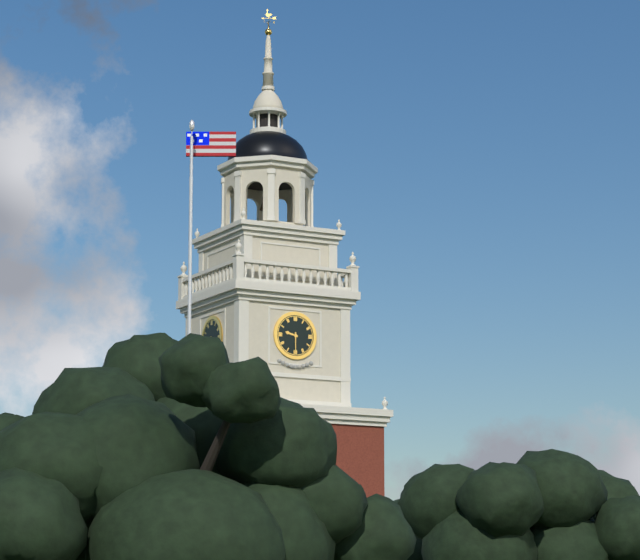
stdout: h=9 m=30
